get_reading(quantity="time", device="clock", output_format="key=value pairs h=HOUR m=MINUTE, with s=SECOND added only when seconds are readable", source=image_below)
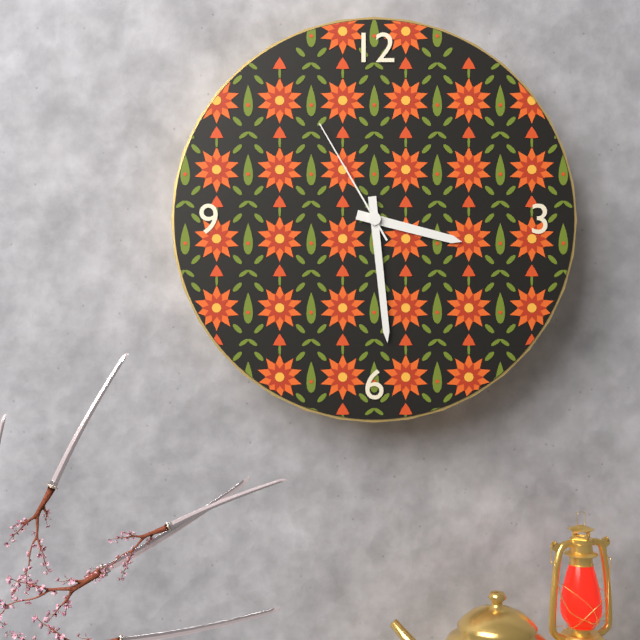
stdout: h=3 m=29 s=55
